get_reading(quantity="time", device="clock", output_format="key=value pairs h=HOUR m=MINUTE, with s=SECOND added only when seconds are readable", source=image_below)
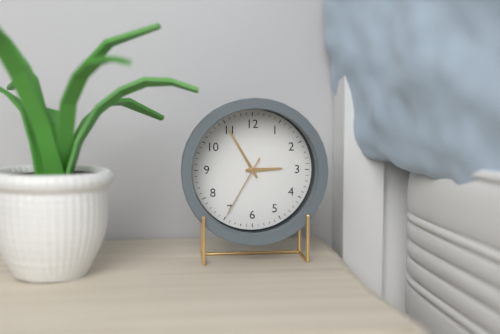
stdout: h=2 m=55 s=35
